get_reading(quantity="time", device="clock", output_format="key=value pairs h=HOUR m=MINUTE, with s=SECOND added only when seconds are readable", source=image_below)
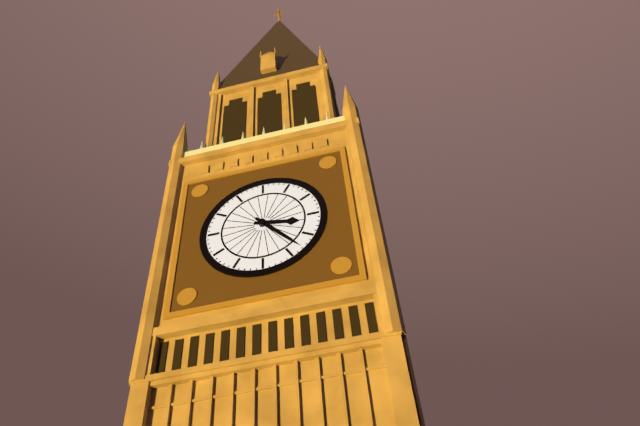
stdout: h=3 m=23
